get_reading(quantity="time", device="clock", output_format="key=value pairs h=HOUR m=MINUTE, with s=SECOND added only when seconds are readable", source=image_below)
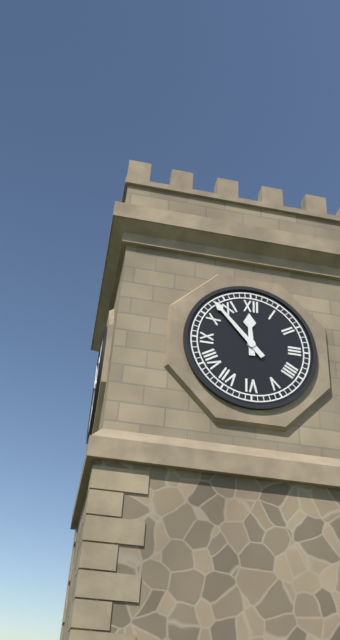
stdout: h=11 m=53
